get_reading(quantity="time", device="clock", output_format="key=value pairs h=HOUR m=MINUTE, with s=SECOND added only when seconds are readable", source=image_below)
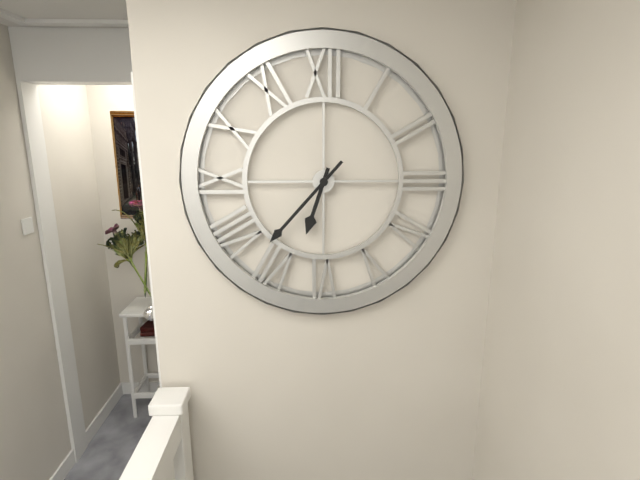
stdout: h=6 m=37
